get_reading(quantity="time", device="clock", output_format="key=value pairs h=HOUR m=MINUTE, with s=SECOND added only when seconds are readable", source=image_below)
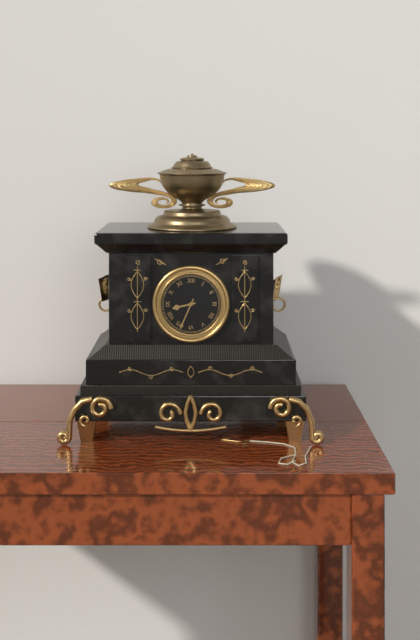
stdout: h=8 m=34
